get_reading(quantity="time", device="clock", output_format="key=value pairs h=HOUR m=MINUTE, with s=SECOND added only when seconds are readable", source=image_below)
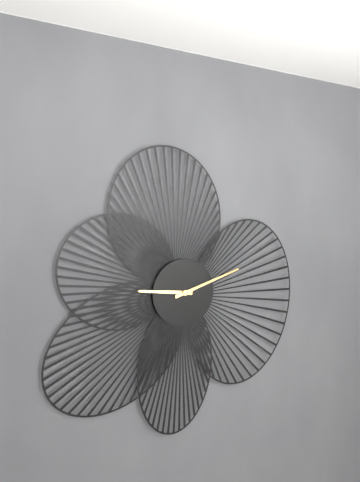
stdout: h=9 m=12
